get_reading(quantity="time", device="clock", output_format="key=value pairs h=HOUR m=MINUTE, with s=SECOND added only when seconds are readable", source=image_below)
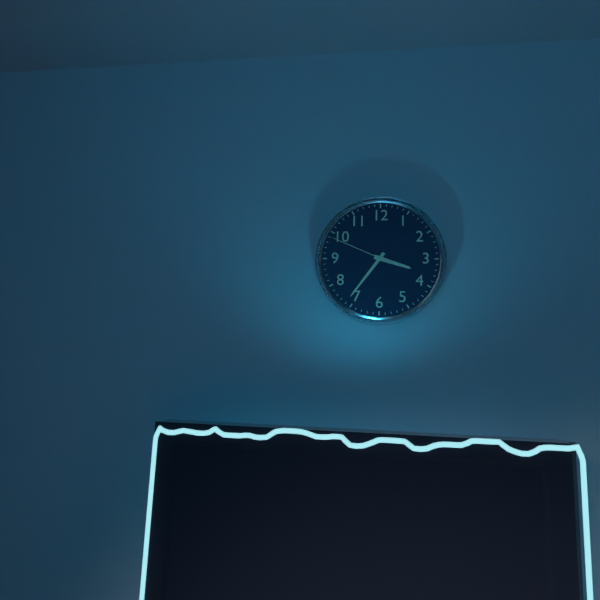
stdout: h=3 m=36 s=49
